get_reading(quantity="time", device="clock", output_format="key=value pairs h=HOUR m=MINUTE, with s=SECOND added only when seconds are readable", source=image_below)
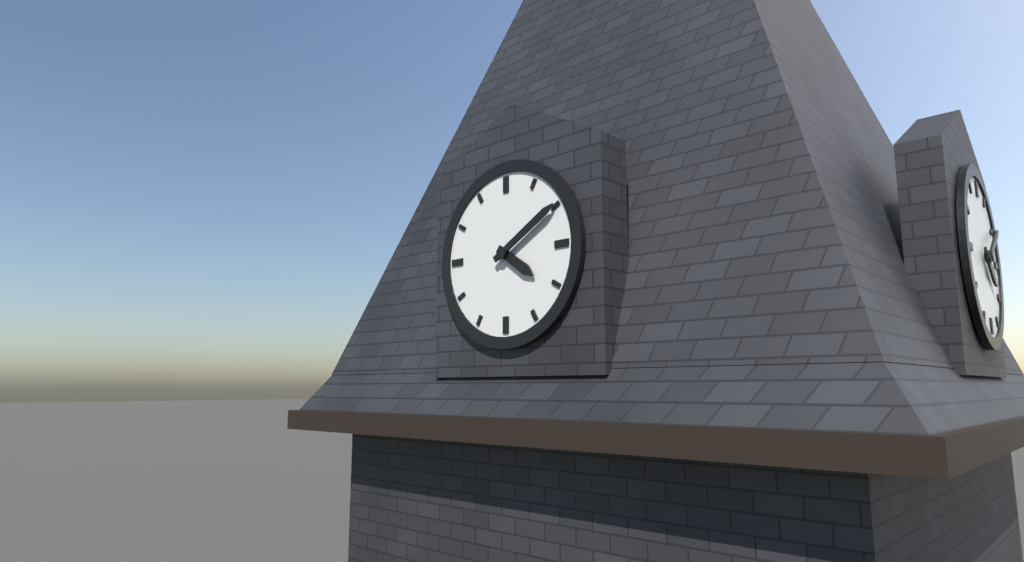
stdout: h=4 m=10
